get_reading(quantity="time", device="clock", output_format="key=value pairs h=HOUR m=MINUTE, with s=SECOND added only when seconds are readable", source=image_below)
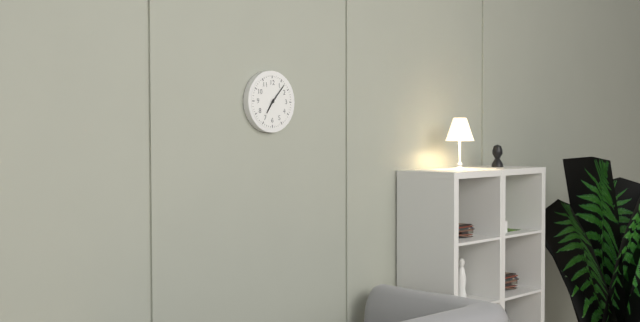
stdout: h=7 m=7
